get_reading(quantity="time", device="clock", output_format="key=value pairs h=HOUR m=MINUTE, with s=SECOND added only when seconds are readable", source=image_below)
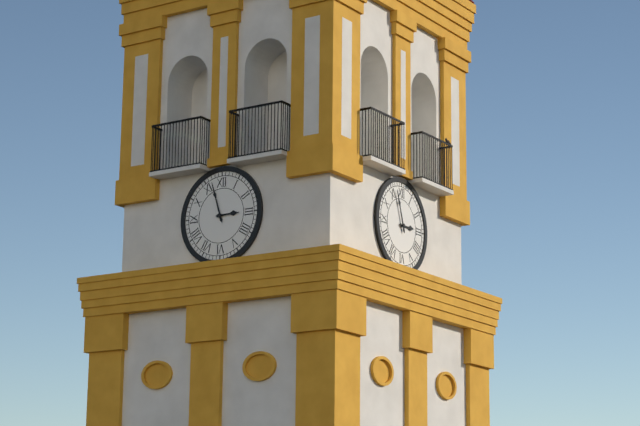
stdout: h=2 m=57
